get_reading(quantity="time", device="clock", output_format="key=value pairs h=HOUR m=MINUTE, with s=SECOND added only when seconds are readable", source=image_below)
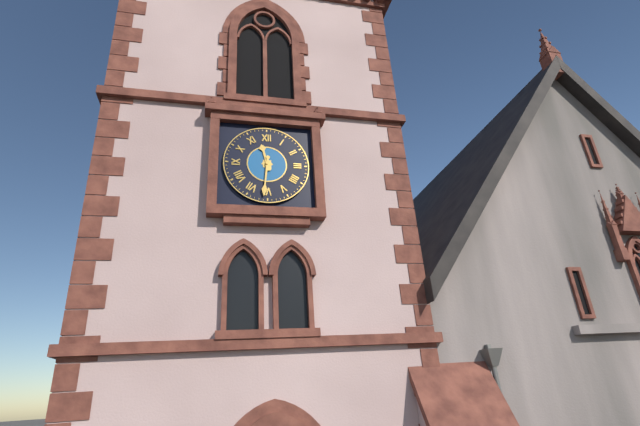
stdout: h=11 m=31
